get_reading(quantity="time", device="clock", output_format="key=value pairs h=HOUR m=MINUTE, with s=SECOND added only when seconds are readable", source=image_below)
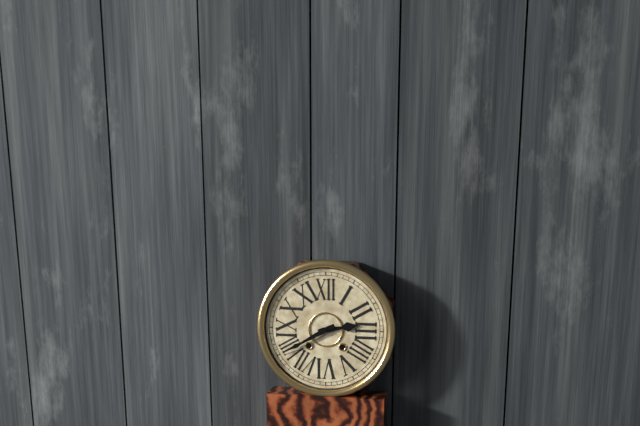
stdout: h=2 m=40
